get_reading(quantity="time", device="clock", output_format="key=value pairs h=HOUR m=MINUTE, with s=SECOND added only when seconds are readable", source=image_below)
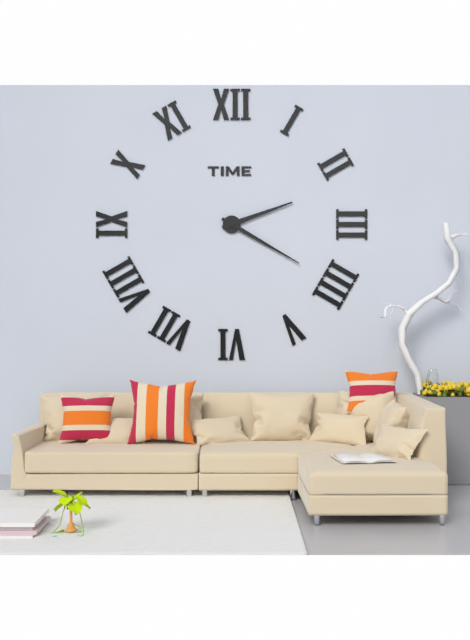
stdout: h=2 m=20
